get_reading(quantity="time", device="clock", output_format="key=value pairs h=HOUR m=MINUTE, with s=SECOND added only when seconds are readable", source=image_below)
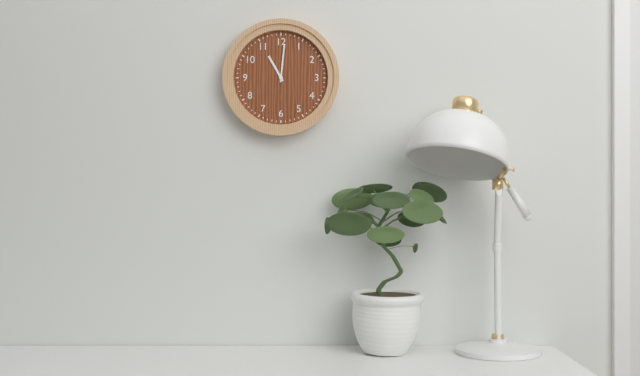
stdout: h=11 m=1
